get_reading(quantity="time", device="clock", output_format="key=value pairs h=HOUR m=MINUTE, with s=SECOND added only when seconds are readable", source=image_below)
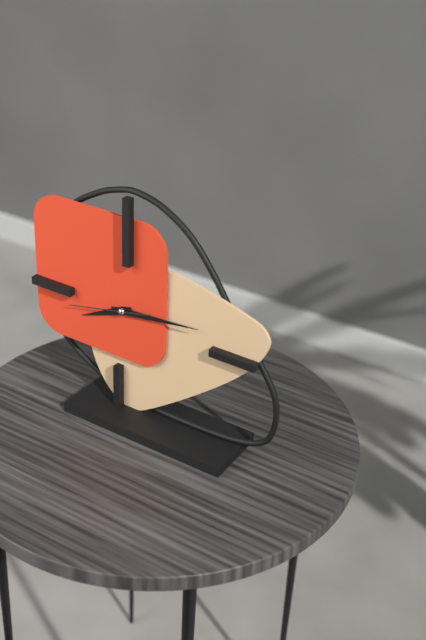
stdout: h=8 m=14 s=43
